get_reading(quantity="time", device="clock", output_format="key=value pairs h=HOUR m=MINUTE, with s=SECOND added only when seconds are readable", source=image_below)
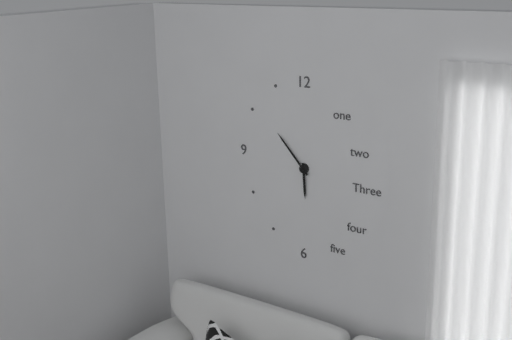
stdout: h=5 m=53
